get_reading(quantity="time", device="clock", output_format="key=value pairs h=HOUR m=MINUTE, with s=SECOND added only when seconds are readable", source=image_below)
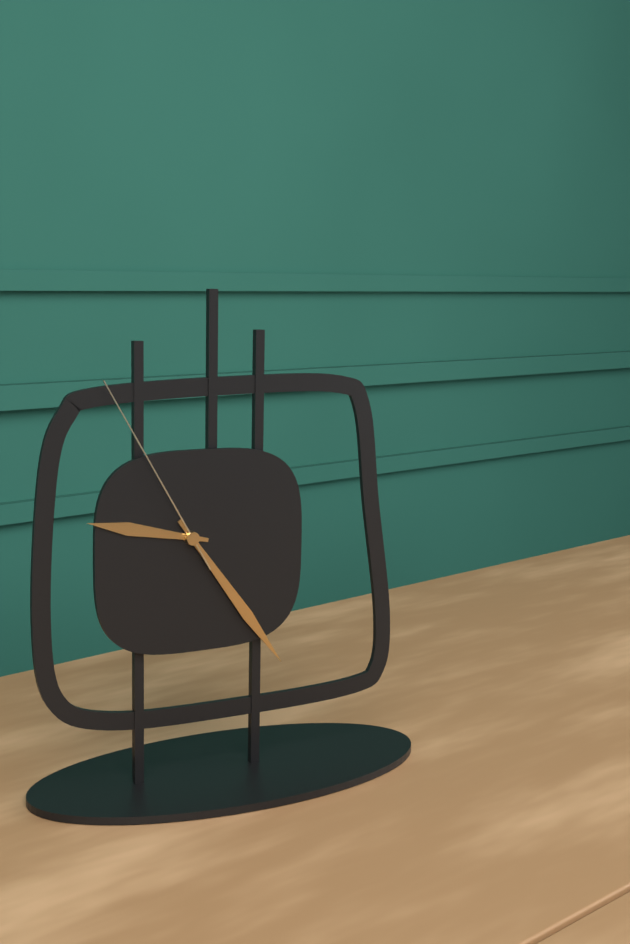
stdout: h=9 m=24 s=55
